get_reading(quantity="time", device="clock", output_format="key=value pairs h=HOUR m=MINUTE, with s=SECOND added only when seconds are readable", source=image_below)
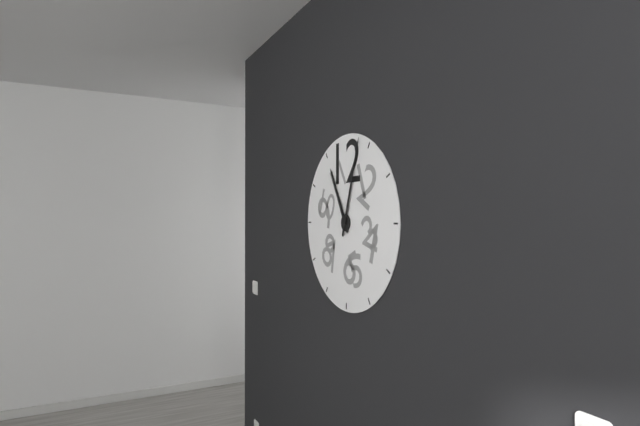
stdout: h=11 m=3
